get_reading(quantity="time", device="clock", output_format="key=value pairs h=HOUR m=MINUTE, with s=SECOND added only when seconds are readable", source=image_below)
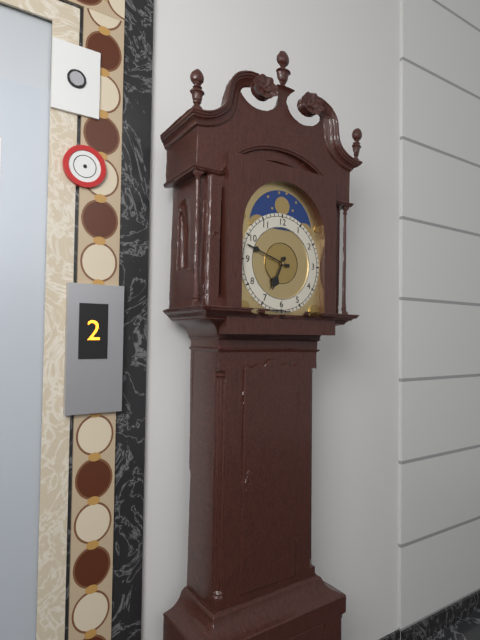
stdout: h=6 m=48
